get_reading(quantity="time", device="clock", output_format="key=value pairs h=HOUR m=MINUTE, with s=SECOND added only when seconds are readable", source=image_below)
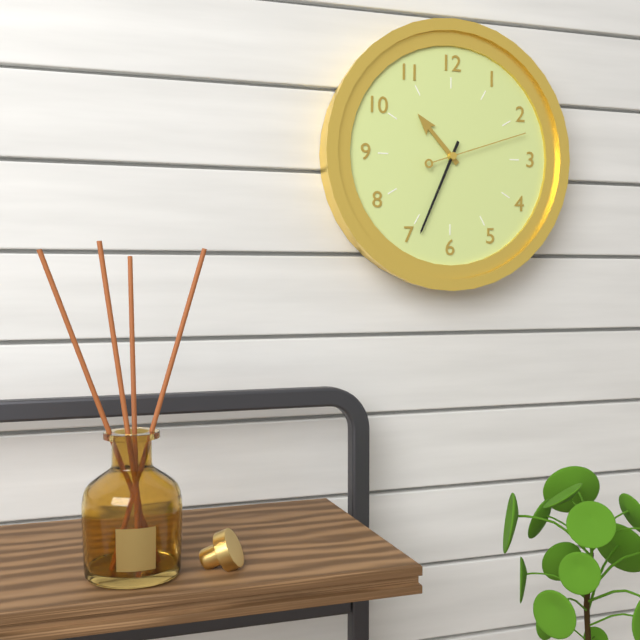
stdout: h=10 m=34 s=12
